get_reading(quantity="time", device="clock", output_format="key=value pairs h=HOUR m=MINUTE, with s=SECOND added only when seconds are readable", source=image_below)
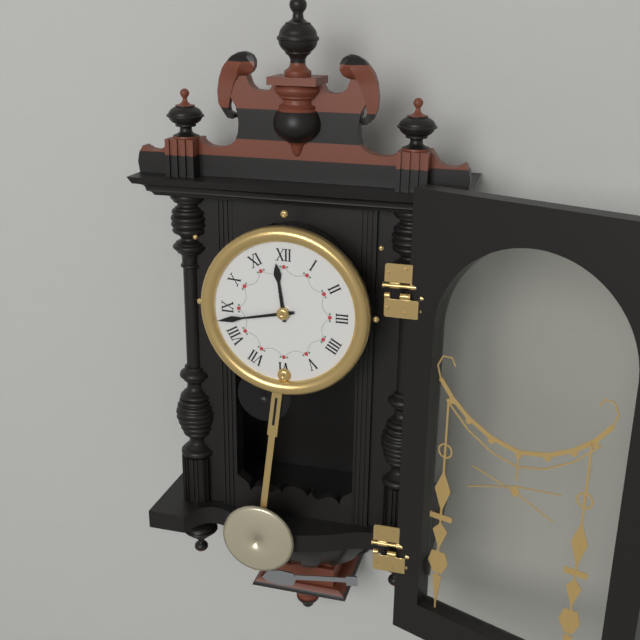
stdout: h=11 m=43
